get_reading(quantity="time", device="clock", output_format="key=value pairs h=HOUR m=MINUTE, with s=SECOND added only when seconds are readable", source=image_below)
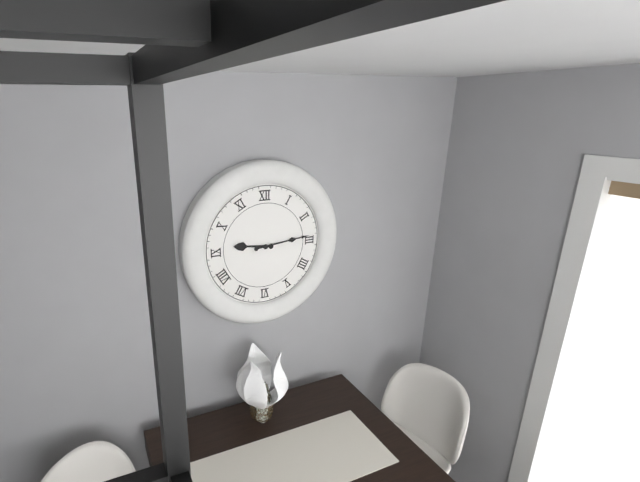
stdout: h=9 m=14
